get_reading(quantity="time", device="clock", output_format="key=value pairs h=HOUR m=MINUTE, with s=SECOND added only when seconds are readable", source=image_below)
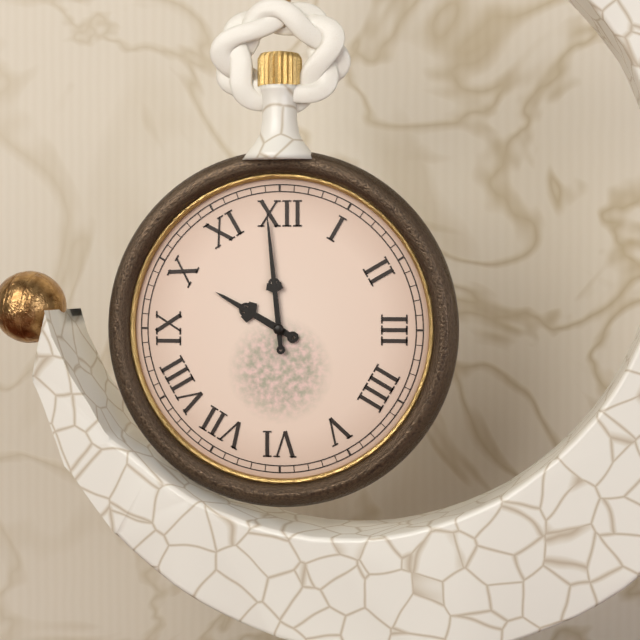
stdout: h=9 m=59
